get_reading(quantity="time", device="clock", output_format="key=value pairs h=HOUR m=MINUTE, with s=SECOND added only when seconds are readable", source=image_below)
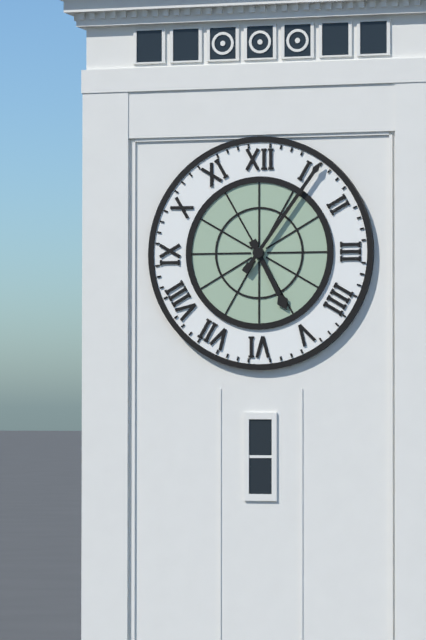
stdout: h=5 m=6
